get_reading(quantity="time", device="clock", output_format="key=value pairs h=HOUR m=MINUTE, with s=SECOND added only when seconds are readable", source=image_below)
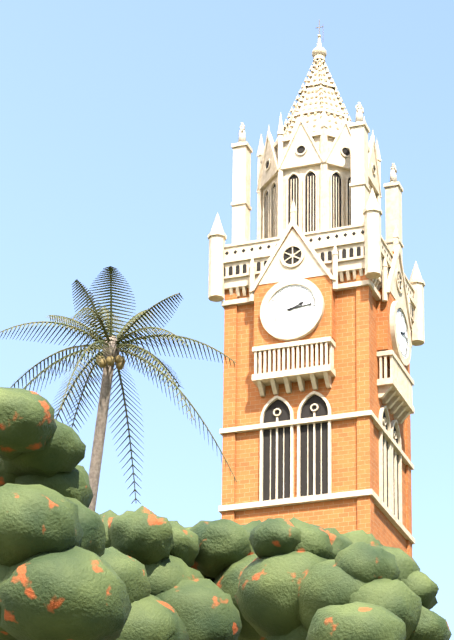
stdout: h=2 m=14
